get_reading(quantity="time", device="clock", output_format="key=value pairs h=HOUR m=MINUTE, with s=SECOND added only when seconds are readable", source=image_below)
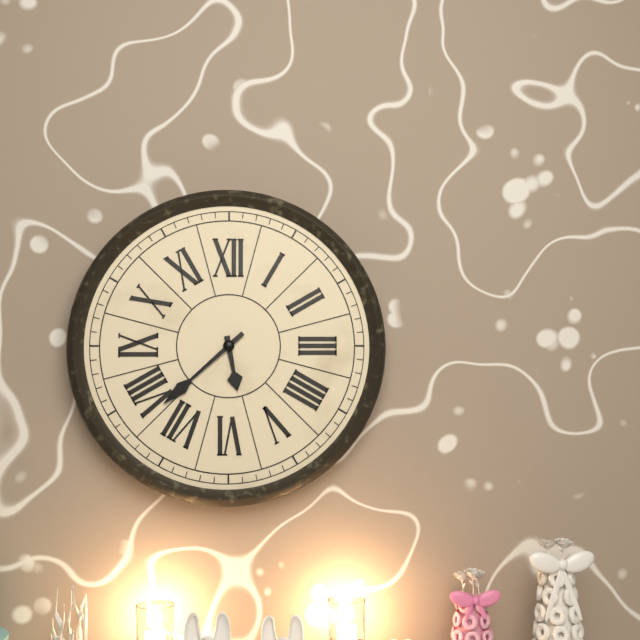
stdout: h=5 m=38
